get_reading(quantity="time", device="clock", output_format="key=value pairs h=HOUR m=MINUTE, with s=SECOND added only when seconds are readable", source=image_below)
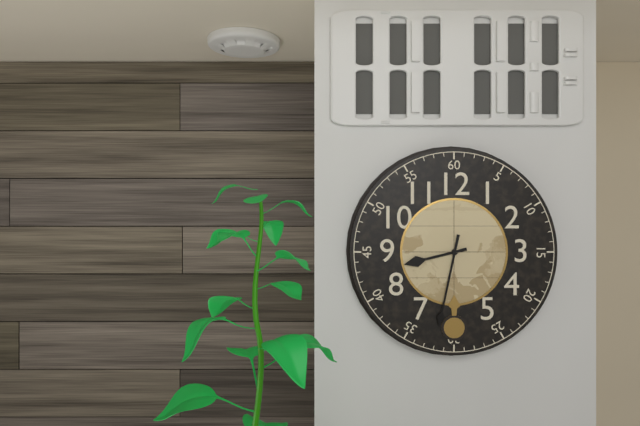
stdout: h=8 m=32
